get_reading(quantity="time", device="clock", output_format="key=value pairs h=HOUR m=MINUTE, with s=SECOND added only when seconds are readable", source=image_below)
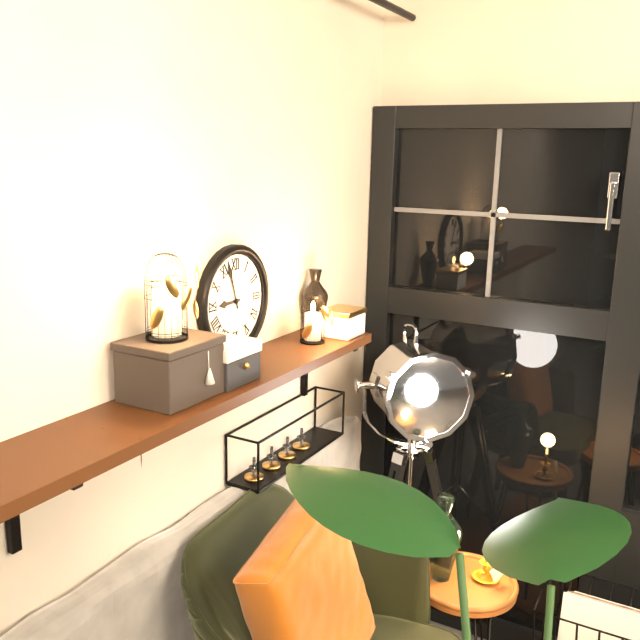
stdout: h=8 m=57
